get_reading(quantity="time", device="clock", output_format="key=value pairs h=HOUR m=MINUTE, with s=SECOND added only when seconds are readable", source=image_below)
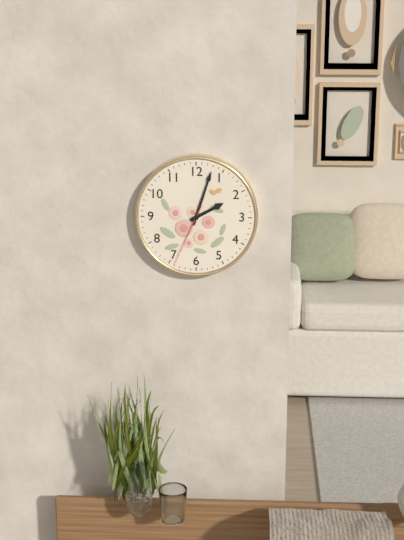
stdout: h=2 m=3 s=34
